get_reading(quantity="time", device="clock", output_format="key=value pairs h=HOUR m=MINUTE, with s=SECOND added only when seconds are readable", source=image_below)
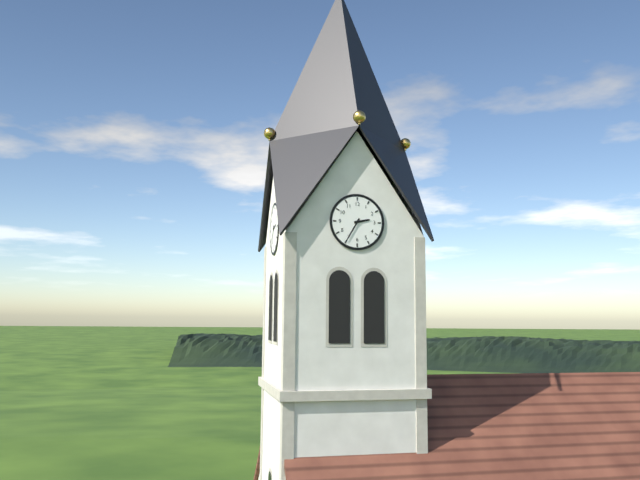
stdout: h=2 m=35
